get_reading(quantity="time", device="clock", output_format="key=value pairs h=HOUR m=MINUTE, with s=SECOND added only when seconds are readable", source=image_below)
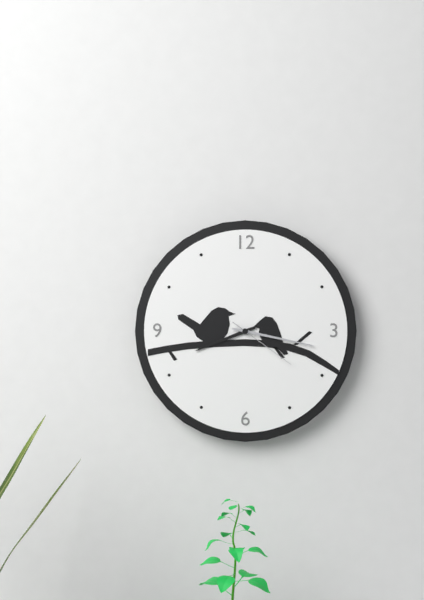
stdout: h=8 m=17 s=21
